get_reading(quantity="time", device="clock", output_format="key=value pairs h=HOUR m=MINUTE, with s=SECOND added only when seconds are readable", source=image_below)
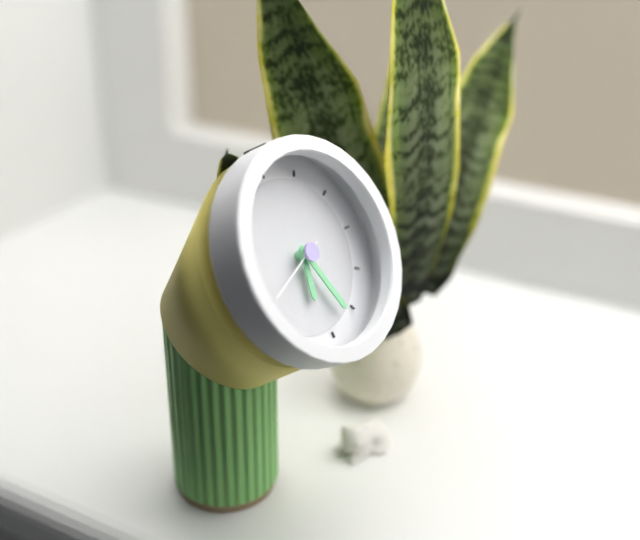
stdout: h=6 m=27 s=42
